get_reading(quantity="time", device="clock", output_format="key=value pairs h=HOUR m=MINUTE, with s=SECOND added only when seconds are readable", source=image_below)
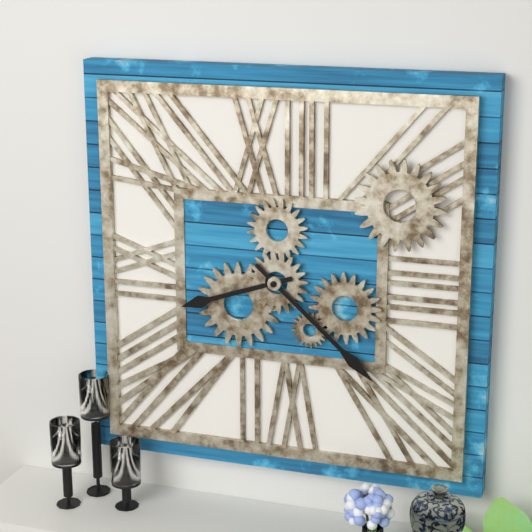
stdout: h=8 m=22
